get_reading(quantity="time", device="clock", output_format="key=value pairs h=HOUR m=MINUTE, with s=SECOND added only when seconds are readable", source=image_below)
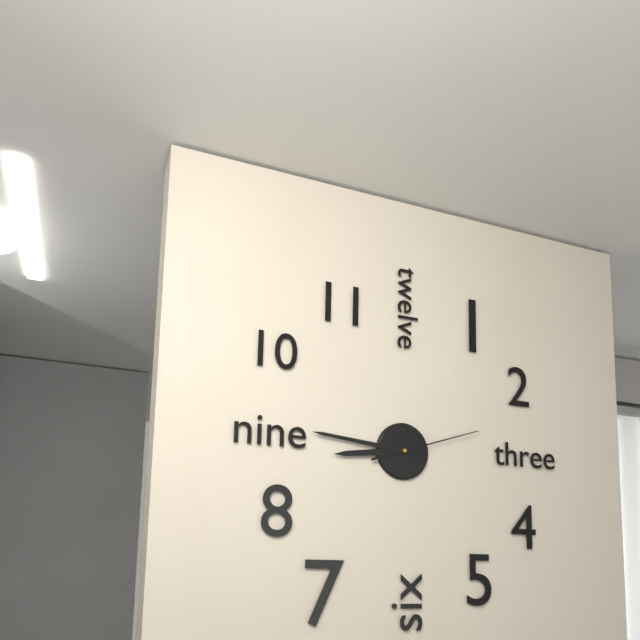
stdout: h=8 m=46 s=12
